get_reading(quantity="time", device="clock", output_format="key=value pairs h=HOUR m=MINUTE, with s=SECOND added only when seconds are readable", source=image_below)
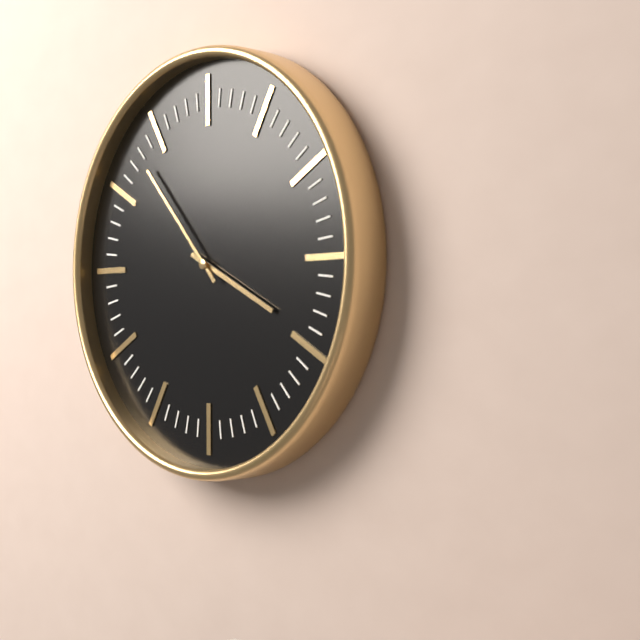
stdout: h=3 m=53
